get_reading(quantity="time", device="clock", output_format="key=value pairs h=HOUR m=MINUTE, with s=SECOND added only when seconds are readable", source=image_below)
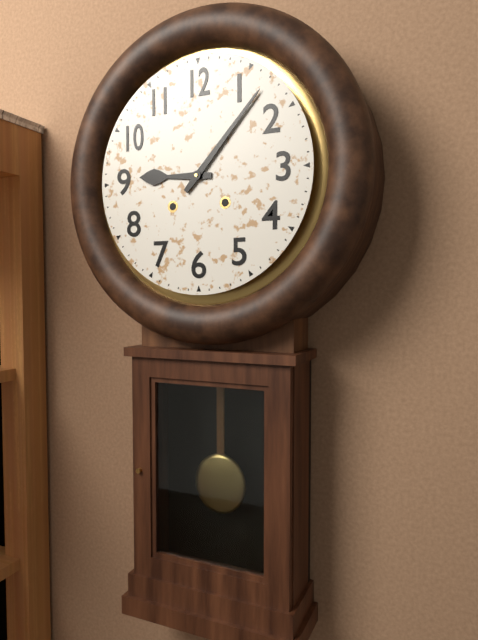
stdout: h=9 m=7
